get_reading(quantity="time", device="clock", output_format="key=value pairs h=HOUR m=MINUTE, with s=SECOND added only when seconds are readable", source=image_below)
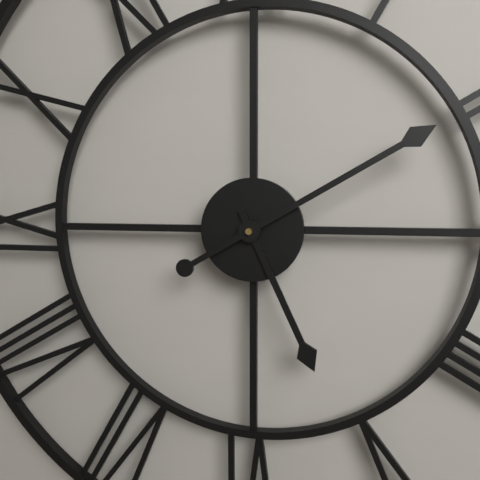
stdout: h=5 m=10
